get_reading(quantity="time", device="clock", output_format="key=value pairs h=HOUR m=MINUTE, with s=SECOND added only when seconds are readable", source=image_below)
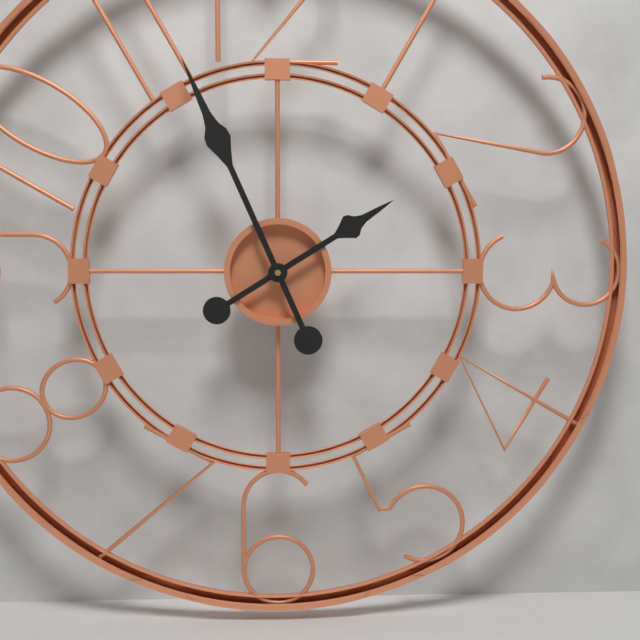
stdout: h=1 m=56
